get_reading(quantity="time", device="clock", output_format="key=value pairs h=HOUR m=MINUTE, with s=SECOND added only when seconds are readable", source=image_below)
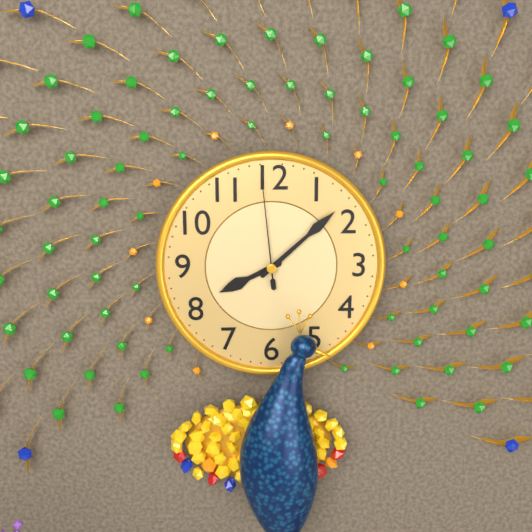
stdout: h=8 m=8 s=59
